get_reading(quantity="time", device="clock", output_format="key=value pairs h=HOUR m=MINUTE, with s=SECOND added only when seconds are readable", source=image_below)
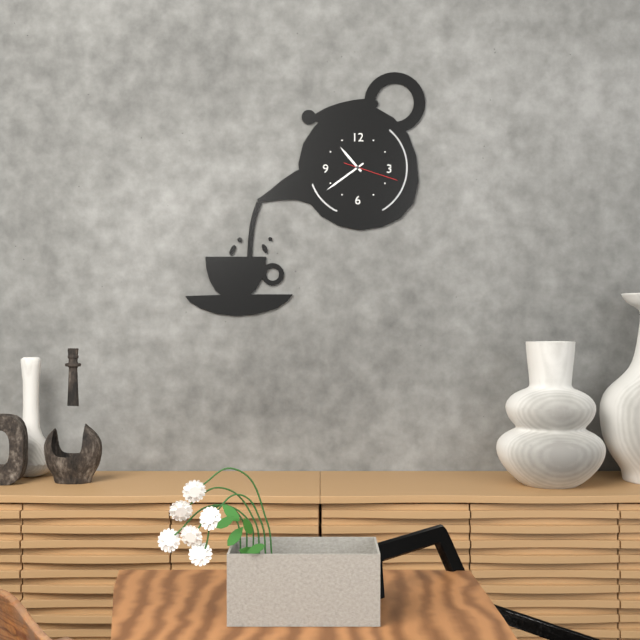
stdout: h=10 m=39 s=18
